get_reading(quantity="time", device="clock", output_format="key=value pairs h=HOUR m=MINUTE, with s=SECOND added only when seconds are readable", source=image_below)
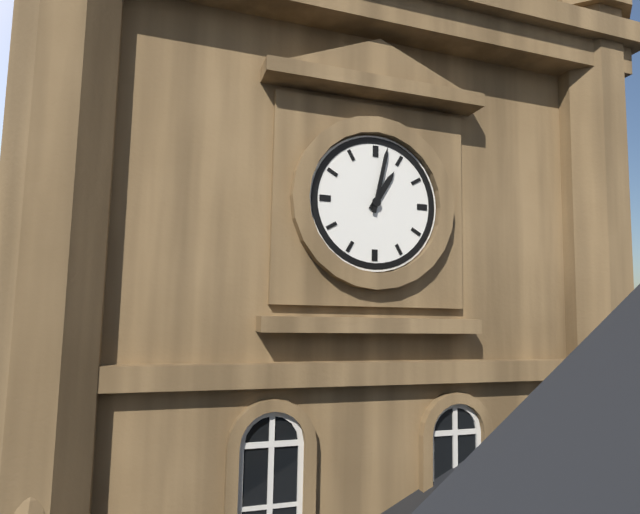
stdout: h=1 m=2
